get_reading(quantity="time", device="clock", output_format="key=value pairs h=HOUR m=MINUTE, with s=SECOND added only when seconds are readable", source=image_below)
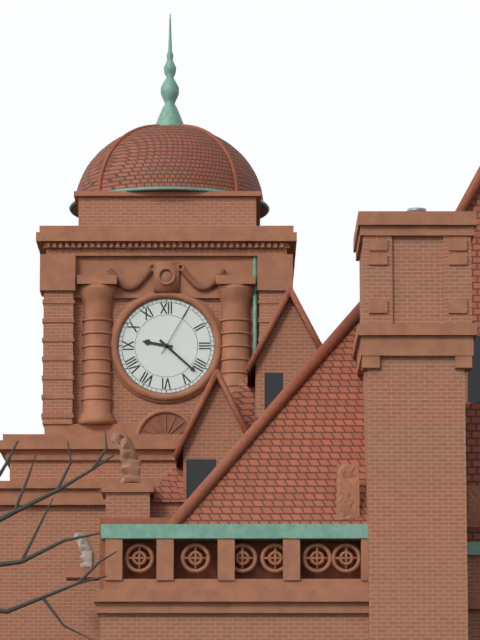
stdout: h=9 m=22 s=5
